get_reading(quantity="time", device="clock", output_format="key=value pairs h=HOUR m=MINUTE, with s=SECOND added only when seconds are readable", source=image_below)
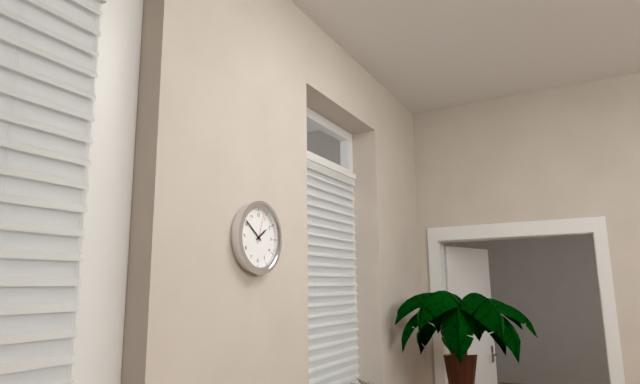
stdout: h=1 m=51
